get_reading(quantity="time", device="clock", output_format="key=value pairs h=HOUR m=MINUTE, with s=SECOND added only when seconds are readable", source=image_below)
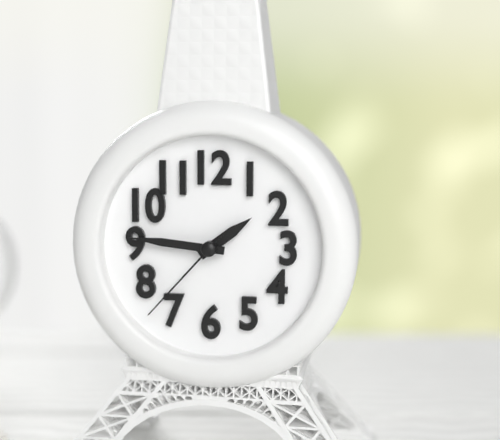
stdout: h=1 m=46 s=37
